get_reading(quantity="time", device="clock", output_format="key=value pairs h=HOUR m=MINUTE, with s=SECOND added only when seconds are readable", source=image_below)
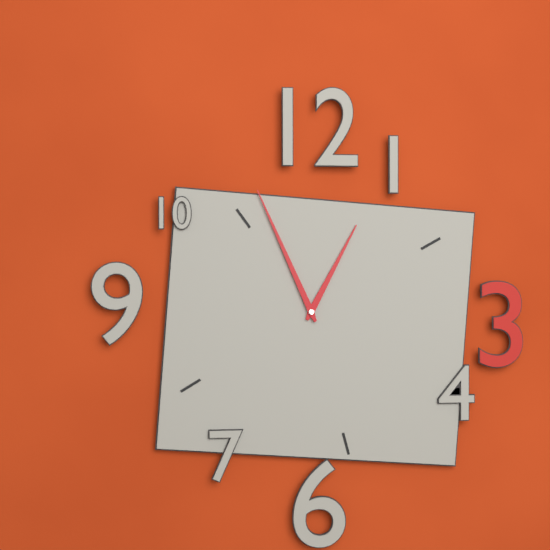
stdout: h=12 m=56
